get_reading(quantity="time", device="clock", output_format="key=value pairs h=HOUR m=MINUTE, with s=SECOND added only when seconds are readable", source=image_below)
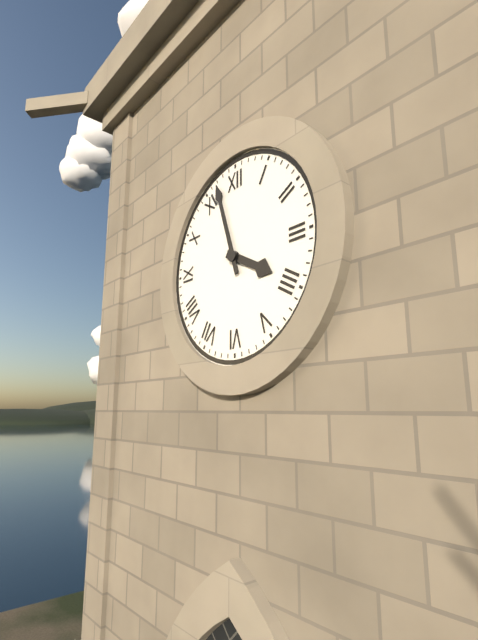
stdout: h=3 m=57
